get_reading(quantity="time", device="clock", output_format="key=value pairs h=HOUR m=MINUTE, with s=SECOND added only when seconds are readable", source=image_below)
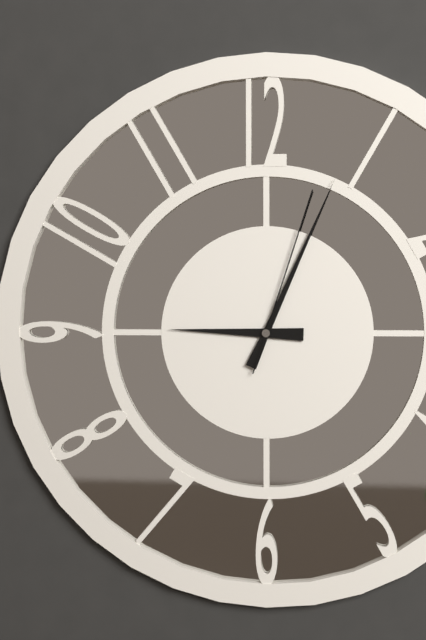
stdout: h=9 m=4 s=3
